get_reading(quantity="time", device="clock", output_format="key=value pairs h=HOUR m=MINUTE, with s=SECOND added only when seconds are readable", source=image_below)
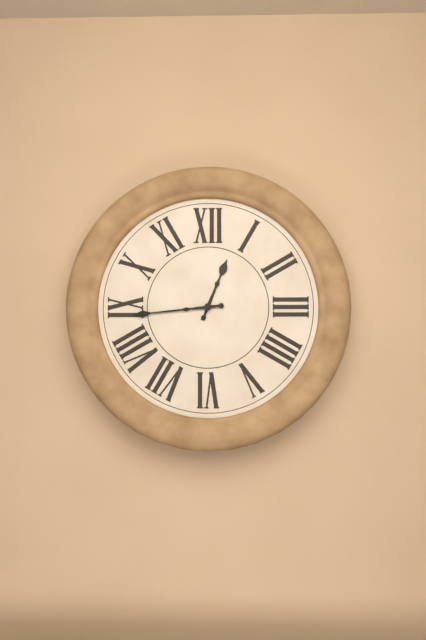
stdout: h=12 m=44
